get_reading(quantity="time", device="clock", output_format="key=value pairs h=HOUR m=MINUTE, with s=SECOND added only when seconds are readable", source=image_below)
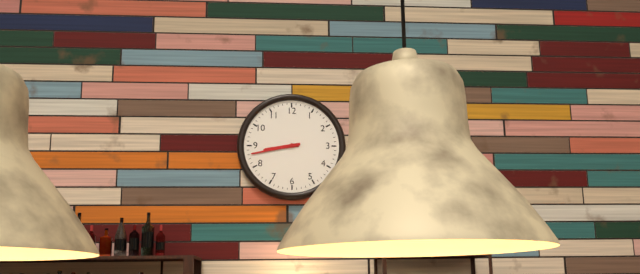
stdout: h=8 m=43
